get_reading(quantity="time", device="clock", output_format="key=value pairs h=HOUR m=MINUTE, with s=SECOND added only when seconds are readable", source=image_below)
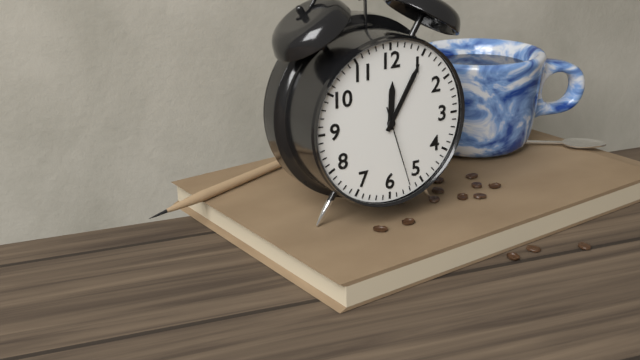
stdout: h=12 m=5 s=27
